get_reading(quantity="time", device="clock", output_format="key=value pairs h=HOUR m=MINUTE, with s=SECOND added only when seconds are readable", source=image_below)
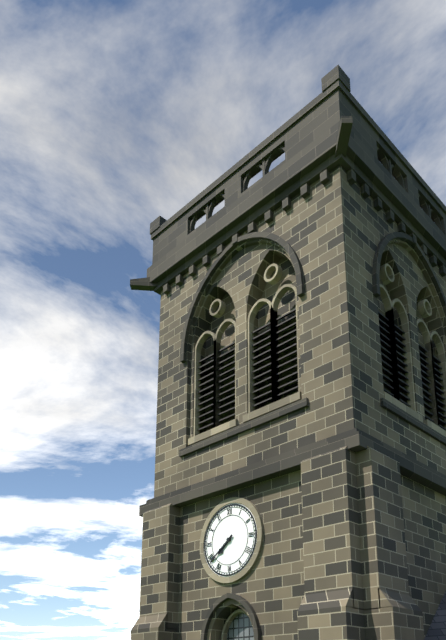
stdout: h=7 m=39
